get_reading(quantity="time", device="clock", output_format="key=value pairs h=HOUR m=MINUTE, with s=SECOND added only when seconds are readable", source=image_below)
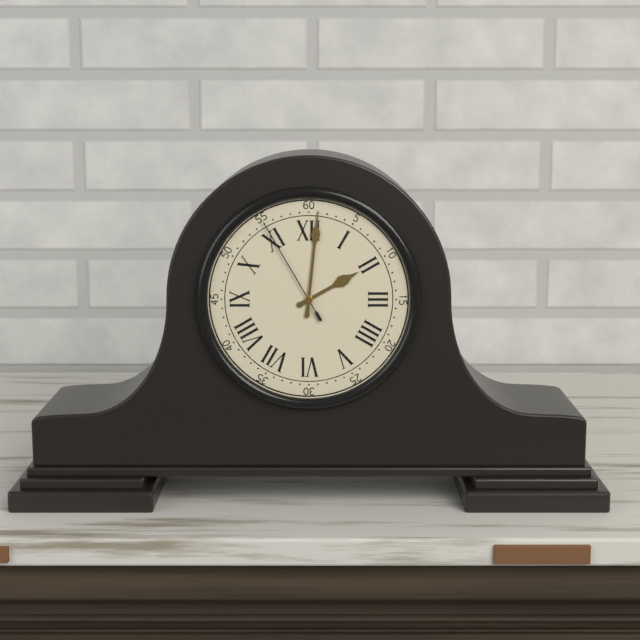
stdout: h=2 m=1 s=55
